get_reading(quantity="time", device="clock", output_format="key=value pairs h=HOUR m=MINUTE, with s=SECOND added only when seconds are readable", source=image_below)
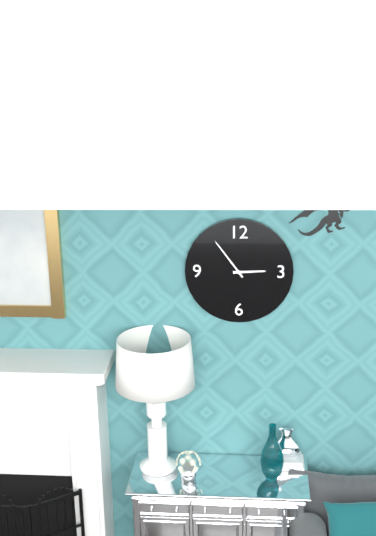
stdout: h=2 m=54
